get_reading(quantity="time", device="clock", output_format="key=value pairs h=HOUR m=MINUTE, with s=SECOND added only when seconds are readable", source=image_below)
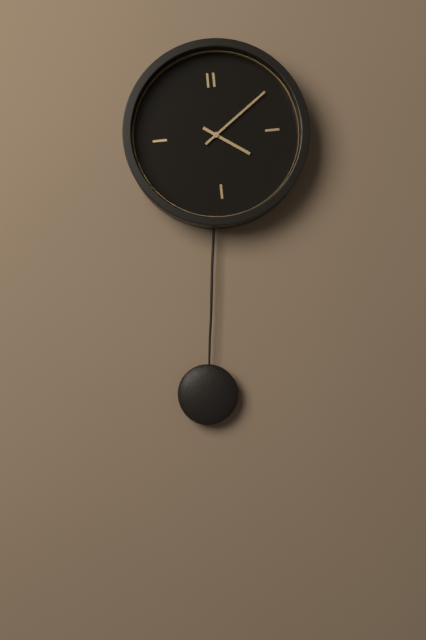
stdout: h=4 m=9
